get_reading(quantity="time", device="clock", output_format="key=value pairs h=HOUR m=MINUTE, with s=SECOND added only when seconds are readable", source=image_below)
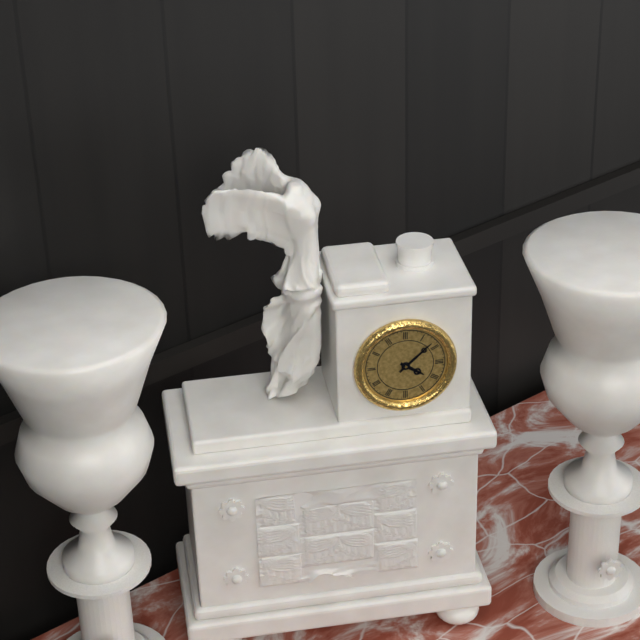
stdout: h=4 m=8
